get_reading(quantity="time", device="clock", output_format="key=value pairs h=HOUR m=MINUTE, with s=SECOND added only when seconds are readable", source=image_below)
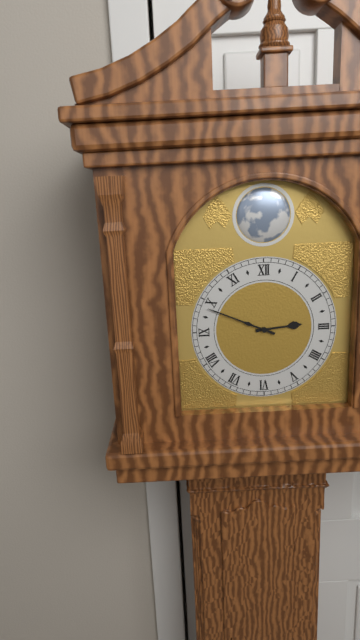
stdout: h=2 m=49
